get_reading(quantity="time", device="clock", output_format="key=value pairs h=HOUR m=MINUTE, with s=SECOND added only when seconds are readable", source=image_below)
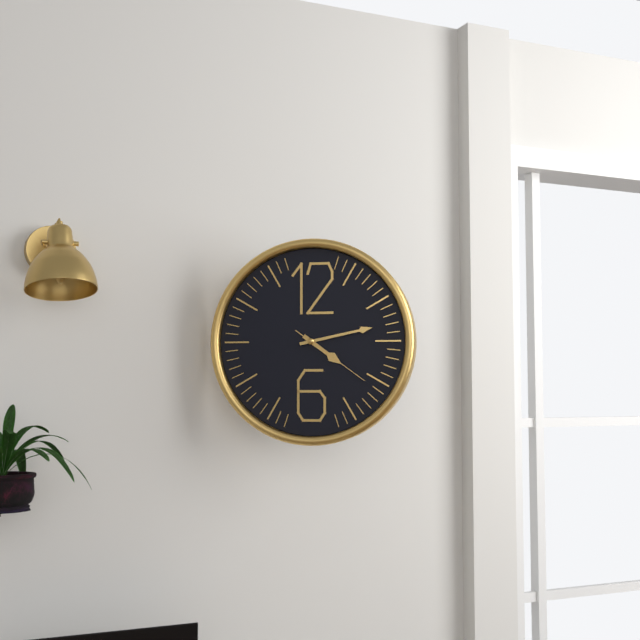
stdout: h=4 m=13 s=21
